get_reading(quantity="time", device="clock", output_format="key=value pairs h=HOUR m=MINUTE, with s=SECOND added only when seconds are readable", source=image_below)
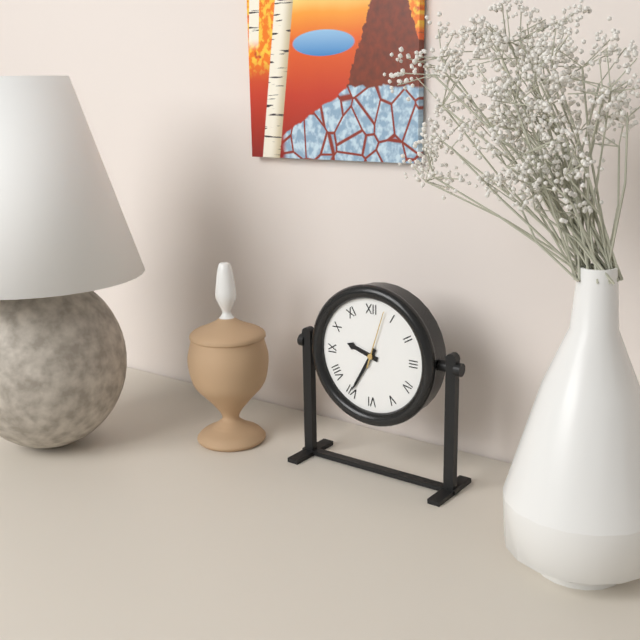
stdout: h=9 m=35 s=3
